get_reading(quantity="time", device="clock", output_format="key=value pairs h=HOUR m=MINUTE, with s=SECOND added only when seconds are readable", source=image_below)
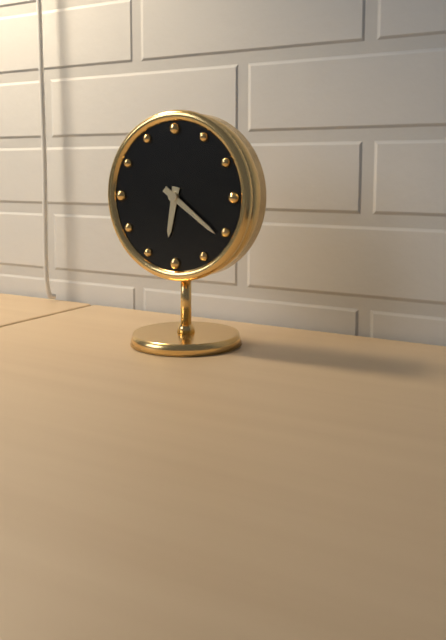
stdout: h=6 m=21
